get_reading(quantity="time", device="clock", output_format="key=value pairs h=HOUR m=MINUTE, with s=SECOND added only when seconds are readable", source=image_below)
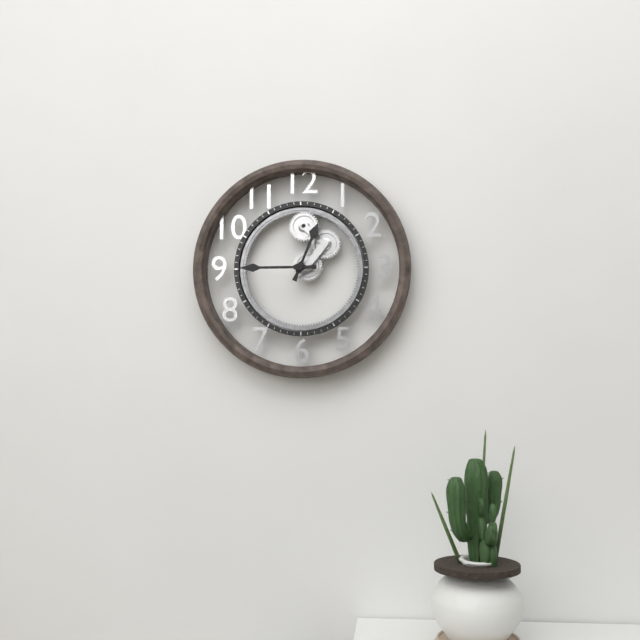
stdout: h=12 m=45
